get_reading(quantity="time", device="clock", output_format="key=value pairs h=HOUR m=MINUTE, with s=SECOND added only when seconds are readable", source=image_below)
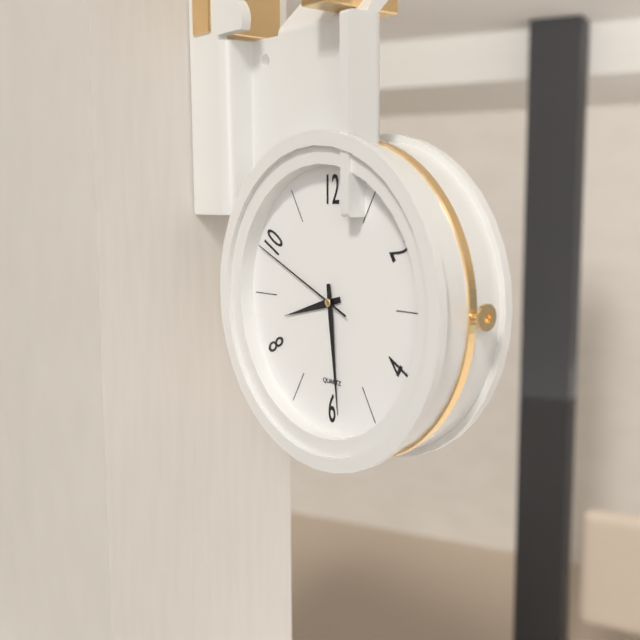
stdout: h=8 m=29 s=49
